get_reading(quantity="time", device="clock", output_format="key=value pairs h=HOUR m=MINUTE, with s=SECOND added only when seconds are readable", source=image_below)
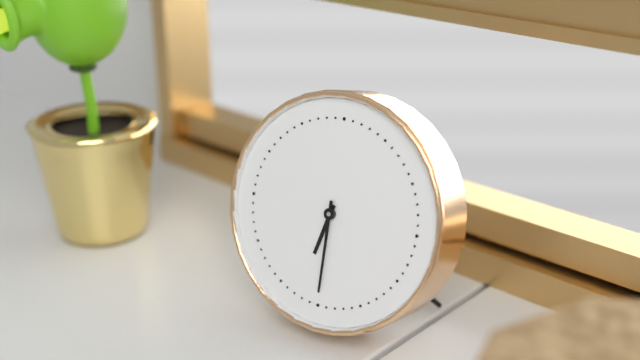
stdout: h=6 m=30
